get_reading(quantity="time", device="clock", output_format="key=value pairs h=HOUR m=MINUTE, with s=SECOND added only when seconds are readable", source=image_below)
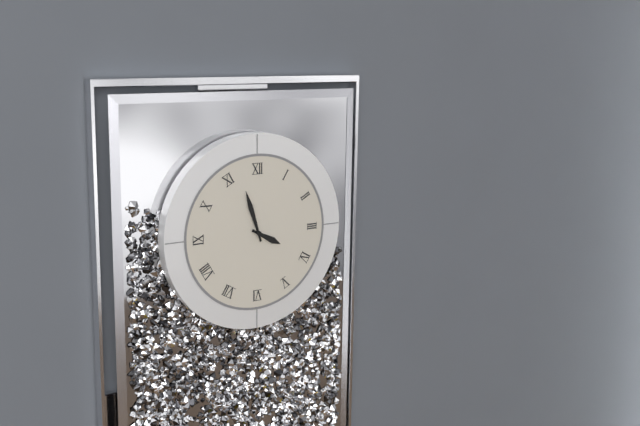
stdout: h=3 m=57
